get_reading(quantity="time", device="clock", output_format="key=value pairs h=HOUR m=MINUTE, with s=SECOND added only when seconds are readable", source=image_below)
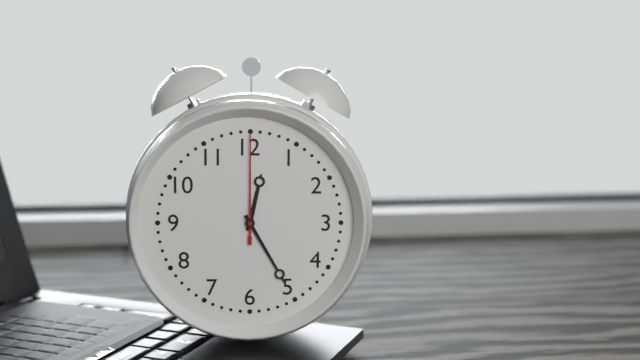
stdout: h=12 m=25 s=0
